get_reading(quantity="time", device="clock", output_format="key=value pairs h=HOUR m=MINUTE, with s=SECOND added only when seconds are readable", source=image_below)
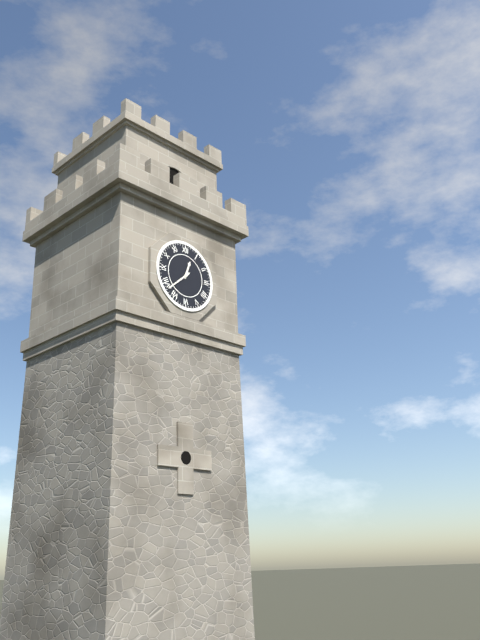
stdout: h=12 m=38
